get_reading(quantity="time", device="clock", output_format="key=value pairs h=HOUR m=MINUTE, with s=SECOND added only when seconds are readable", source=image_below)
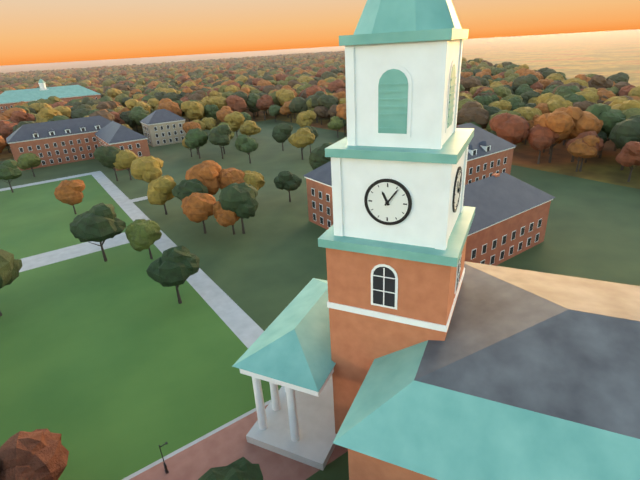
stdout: h=11 m=6
